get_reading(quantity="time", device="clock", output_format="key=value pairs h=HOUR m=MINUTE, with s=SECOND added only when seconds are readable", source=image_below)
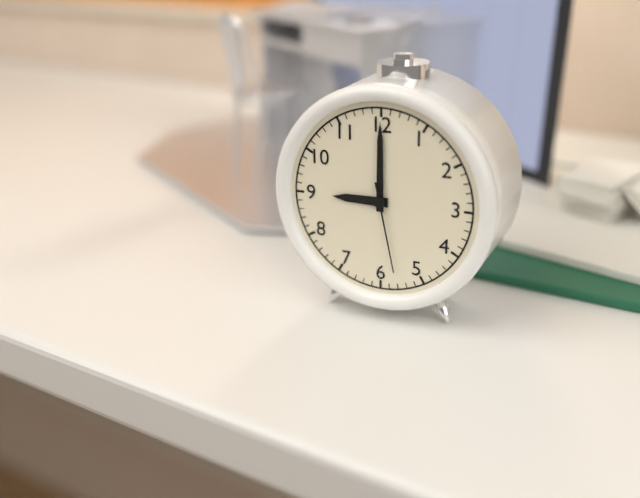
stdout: h=9 m=0 s=28
